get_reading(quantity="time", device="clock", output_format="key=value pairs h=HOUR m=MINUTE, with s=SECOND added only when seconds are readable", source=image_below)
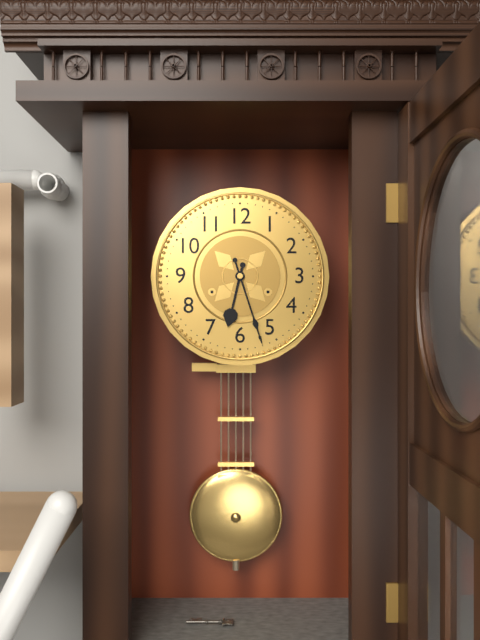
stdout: h=6 m=27
